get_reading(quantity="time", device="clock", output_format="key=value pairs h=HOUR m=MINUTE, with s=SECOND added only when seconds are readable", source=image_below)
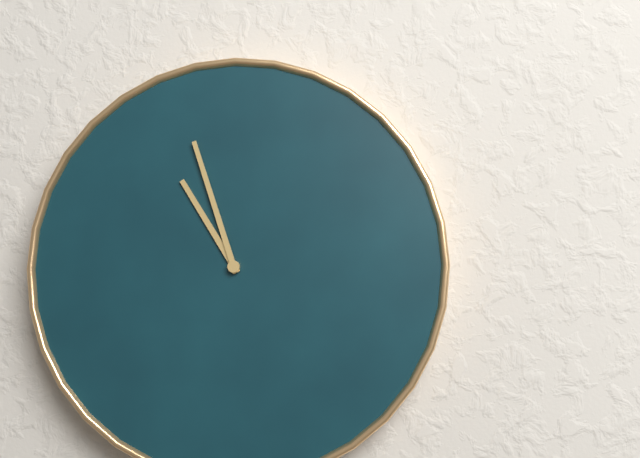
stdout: h=10 m=57
